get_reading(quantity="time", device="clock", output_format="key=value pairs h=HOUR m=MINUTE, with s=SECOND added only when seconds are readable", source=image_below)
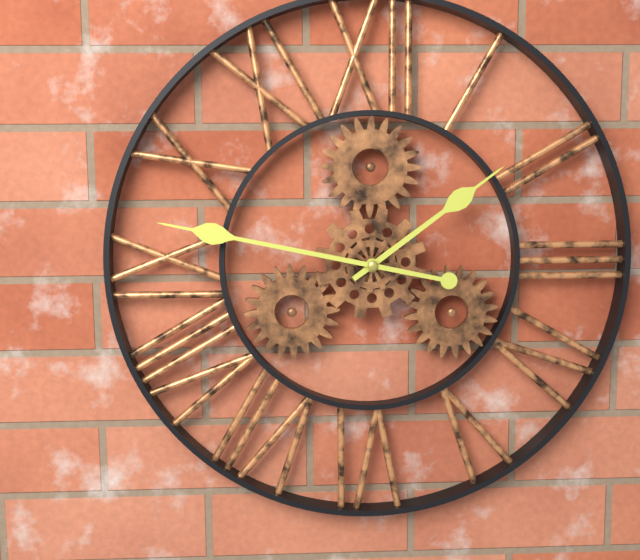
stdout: h=1 m=47
